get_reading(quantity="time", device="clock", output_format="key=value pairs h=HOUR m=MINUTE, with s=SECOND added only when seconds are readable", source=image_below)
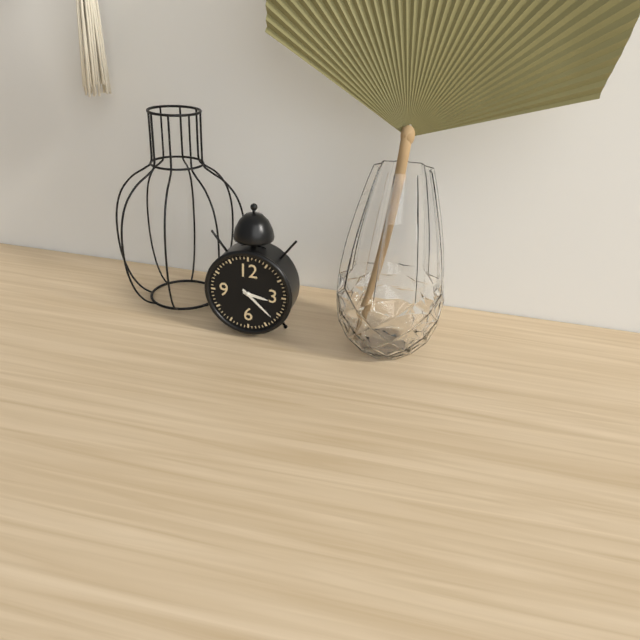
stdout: h=3 m=22
